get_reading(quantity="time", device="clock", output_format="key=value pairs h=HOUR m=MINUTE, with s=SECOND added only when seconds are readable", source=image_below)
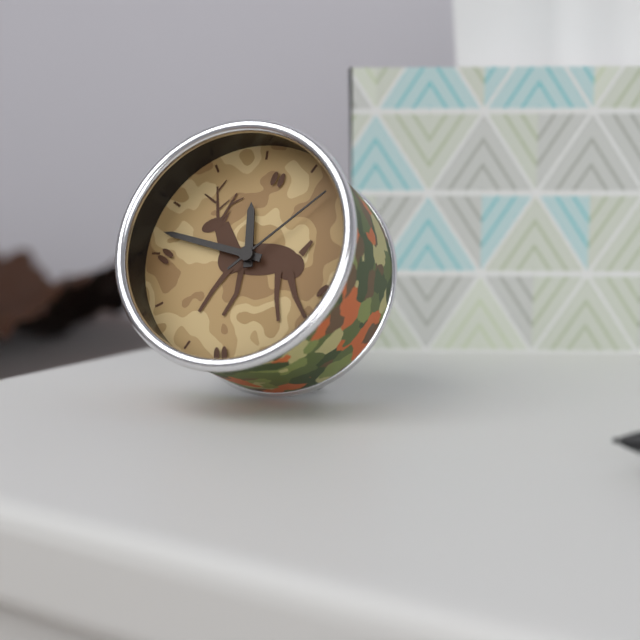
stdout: h=11 m=47 s=8
